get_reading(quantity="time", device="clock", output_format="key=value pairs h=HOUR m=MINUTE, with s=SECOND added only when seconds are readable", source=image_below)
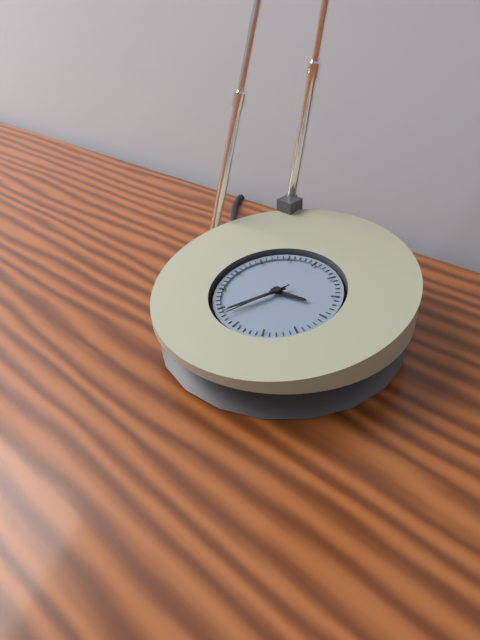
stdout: h=2 m=34 s=33
